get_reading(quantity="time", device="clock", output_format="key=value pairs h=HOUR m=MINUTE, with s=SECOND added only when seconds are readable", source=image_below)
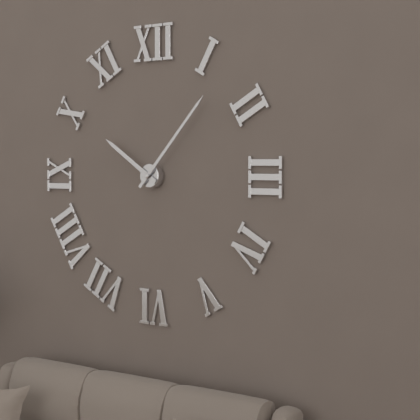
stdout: h=10 m=7
